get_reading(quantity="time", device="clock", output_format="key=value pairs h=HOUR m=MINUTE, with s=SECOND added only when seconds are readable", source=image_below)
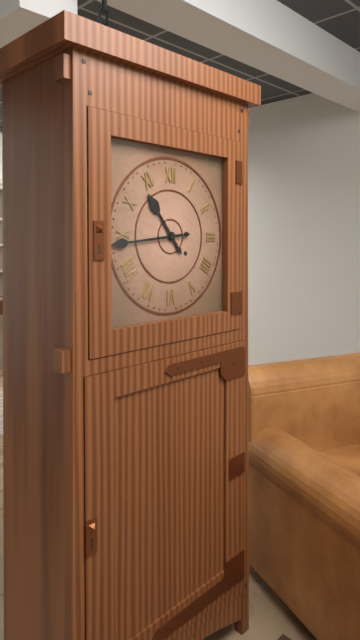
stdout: h=10 m=44
